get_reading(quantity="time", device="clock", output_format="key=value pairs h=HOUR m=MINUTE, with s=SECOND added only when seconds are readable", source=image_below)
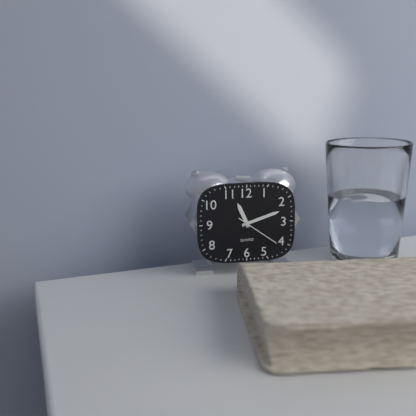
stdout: h=11 m=12
